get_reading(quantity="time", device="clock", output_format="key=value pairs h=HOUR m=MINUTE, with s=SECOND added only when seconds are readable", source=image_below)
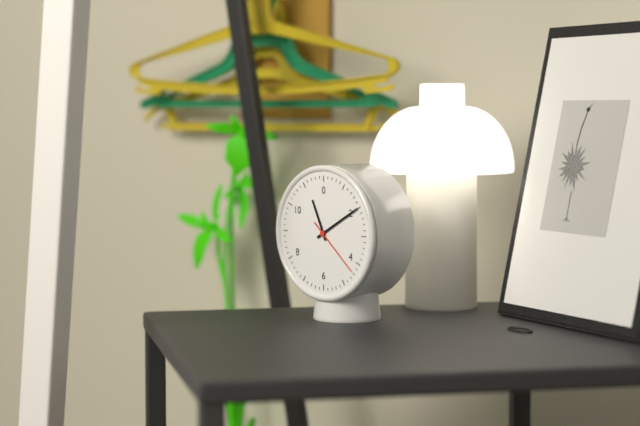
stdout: h=11 m=10 s=22
